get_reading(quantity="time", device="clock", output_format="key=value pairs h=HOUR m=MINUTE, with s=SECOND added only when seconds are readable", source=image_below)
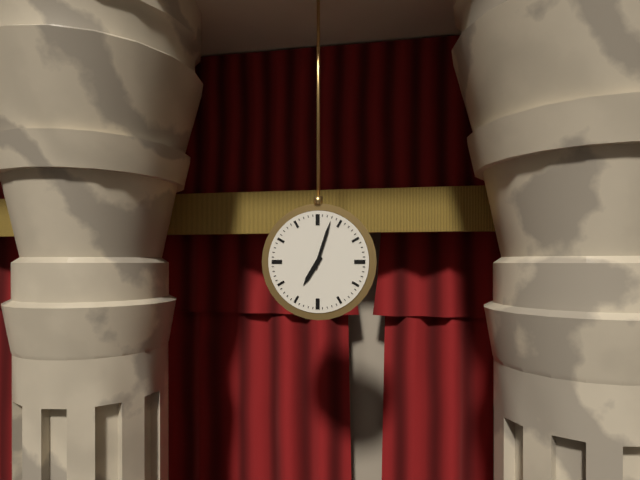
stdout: h=7 m=3
